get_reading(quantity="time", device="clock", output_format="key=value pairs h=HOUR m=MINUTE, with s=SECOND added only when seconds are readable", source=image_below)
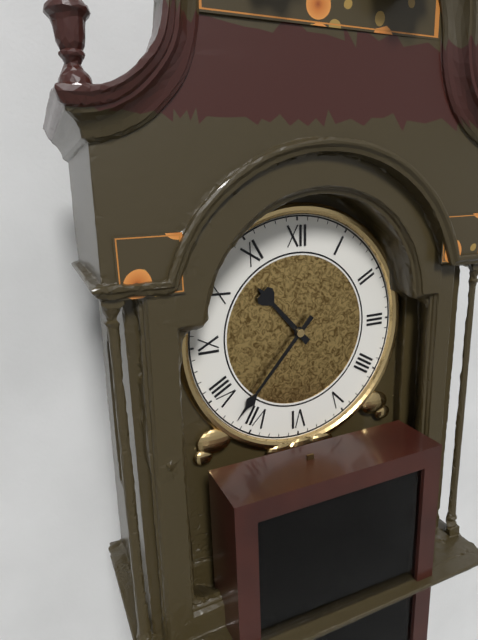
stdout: h=10 m=37
